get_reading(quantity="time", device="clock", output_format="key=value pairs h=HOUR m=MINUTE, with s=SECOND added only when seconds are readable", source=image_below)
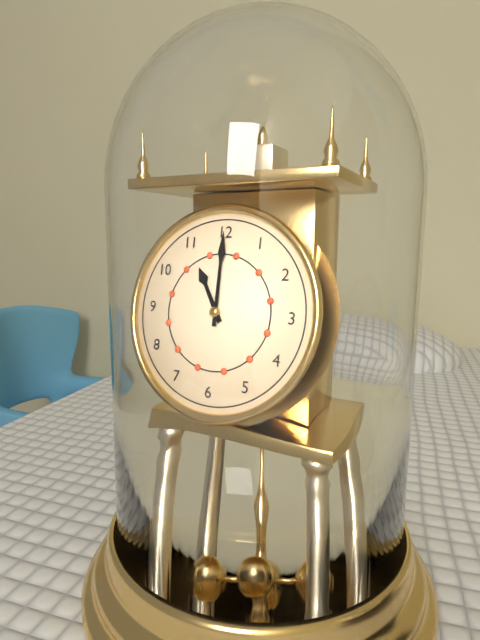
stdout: h=11 m=0
